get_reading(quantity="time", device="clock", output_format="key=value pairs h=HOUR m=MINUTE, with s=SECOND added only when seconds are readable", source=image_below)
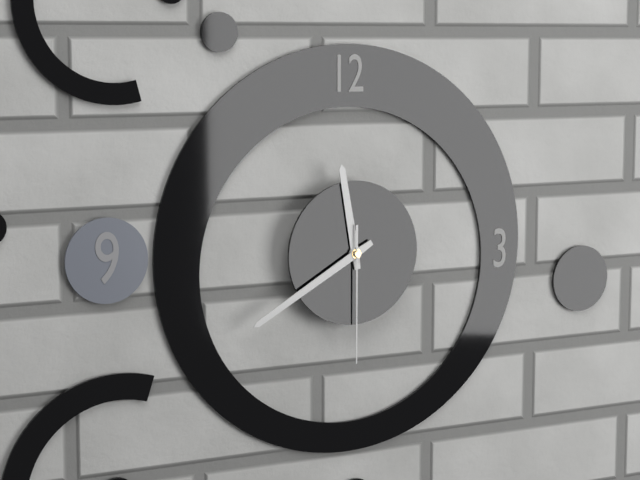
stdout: h=11 m=40 s=30
